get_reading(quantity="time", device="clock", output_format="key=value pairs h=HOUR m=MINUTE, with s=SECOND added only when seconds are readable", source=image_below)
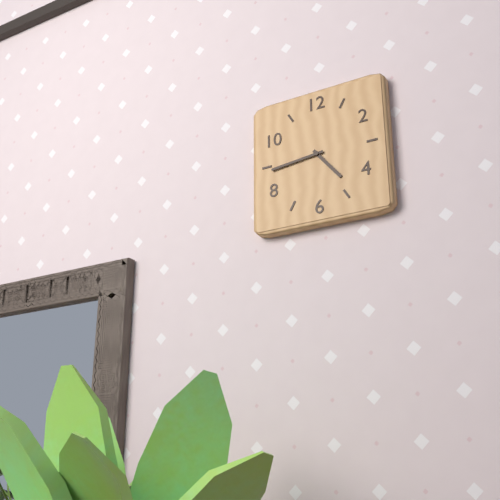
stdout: h=4 m=44
